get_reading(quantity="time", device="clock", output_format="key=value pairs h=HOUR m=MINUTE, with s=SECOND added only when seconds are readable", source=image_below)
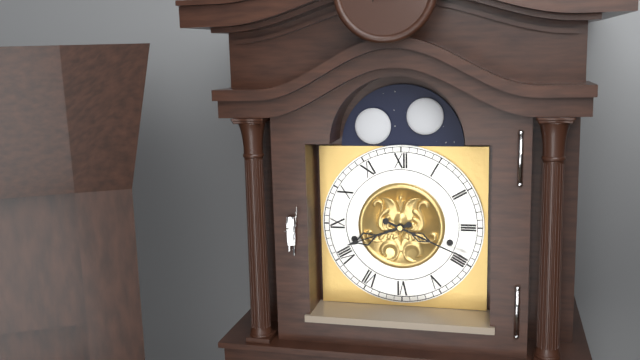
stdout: h=8 m=19
